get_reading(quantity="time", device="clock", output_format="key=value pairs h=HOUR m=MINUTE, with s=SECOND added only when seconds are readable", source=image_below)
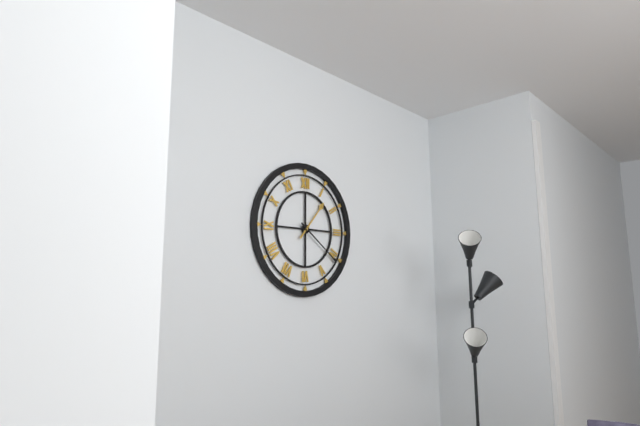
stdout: h=1 m=21
